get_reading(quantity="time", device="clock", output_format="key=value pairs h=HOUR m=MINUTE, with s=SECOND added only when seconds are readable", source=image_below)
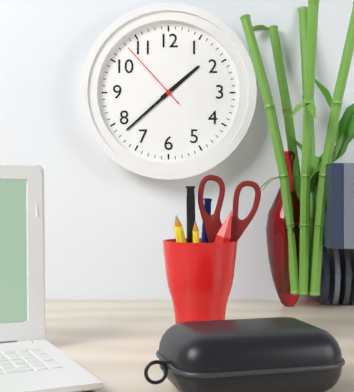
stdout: h=1 m=38 s=53
